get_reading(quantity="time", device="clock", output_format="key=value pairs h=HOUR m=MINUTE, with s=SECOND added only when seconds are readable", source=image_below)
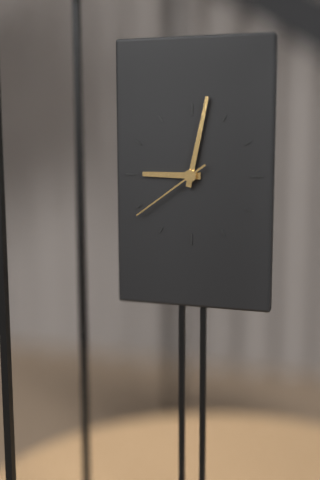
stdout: h=9 m=2 s=39
